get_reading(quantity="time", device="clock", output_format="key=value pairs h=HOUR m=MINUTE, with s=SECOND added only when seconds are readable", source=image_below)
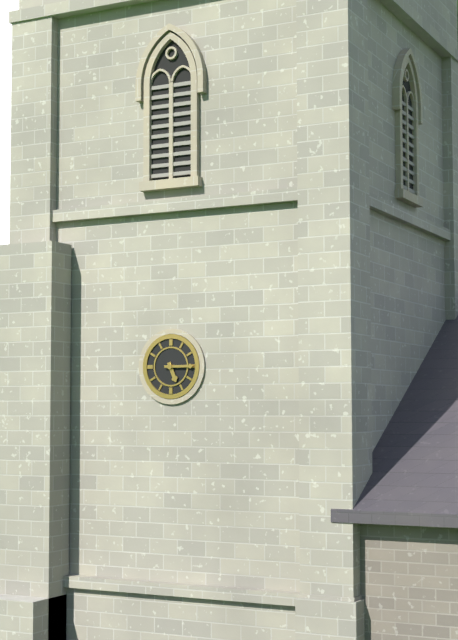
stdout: h=5 m=15
